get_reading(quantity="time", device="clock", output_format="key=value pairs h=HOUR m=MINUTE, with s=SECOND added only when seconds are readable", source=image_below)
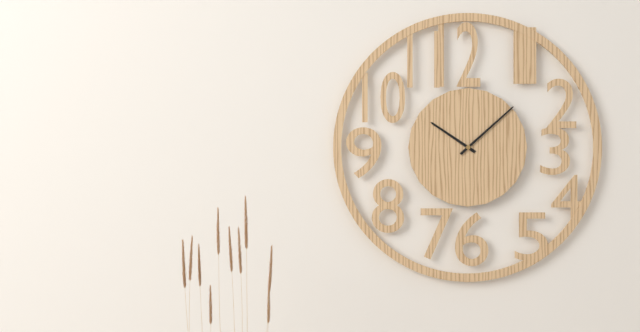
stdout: h=10 m=8
